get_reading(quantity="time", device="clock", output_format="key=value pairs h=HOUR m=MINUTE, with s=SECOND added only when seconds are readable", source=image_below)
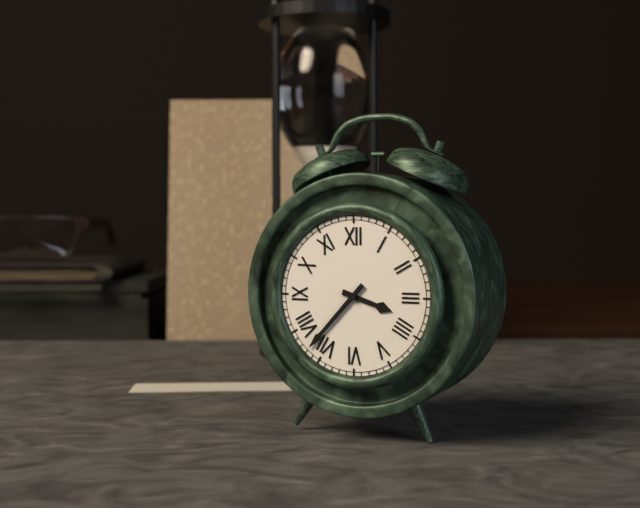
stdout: h=3 m=37
